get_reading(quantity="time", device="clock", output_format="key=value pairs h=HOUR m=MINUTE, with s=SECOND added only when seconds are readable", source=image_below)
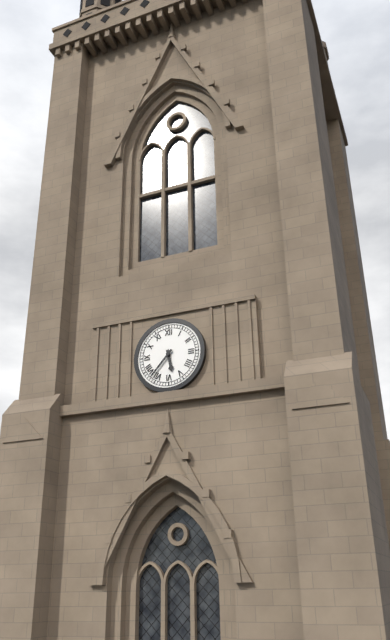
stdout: h=5 m=37
